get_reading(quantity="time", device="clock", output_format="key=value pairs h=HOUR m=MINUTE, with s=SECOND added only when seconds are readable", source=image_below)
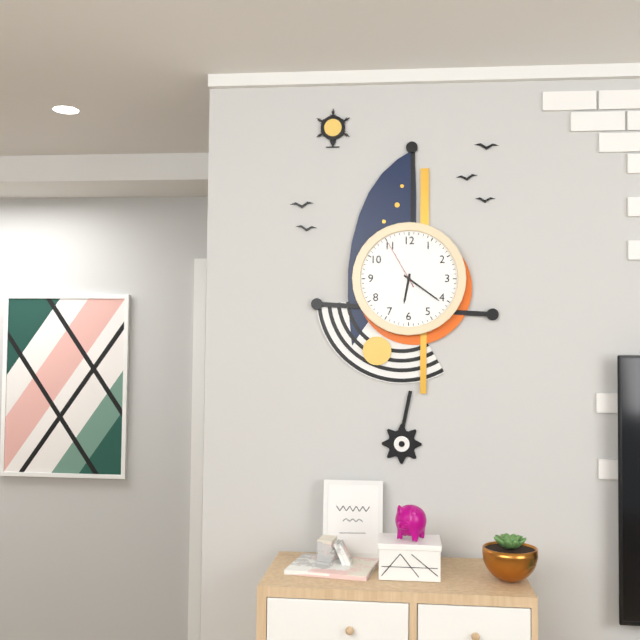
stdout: h=6 m=21 s=55
